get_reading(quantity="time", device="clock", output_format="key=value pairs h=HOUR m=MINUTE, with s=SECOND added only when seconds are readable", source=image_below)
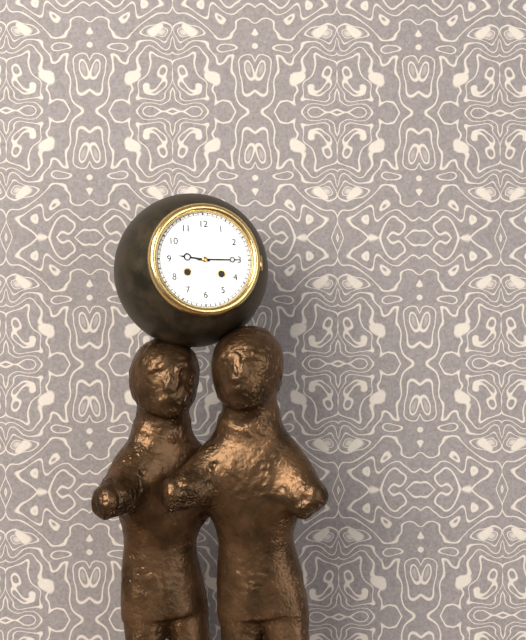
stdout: h=9 m=15
